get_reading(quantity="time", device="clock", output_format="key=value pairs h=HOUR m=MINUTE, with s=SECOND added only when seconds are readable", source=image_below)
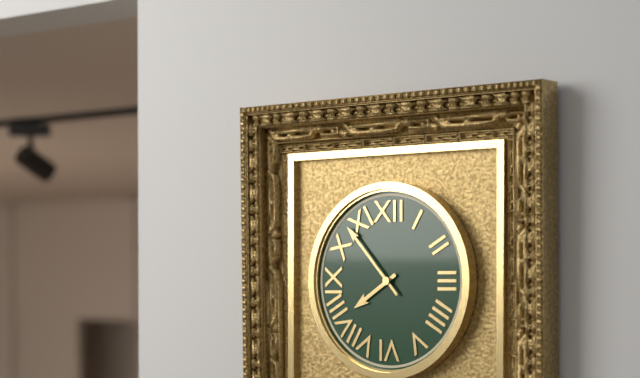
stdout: h=7 m=53
